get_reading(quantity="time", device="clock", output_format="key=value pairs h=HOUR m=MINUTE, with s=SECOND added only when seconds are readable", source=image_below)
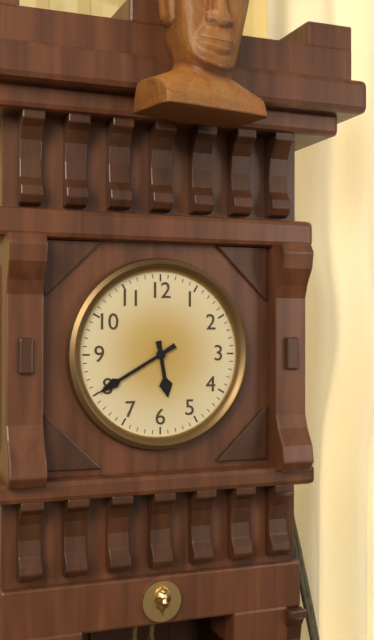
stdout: h=5 m=40
